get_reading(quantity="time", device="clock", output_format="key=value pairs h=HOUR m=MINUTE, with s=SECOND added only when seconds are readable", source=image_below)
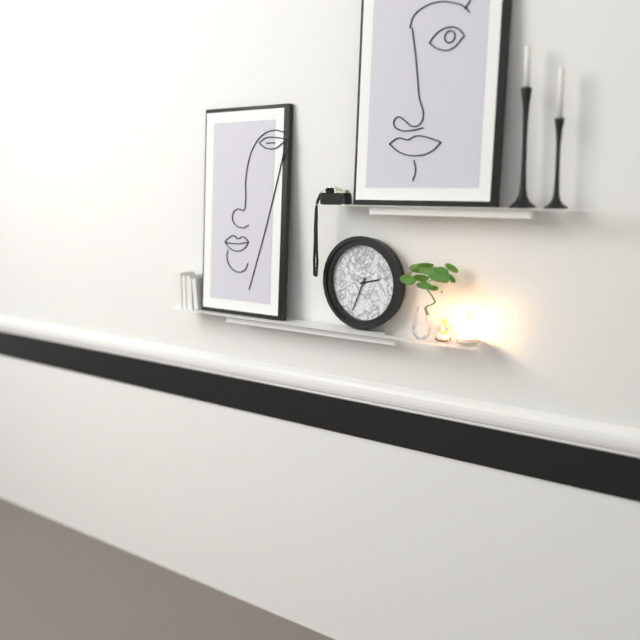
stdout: h=2 m=34
